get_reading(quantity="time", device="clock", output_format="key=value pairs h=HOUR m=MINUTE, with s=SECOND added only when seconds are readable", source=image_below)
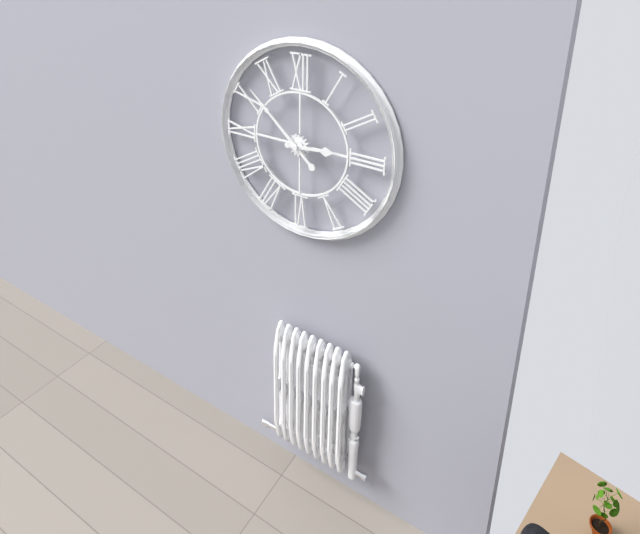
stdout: h=2 m=52
